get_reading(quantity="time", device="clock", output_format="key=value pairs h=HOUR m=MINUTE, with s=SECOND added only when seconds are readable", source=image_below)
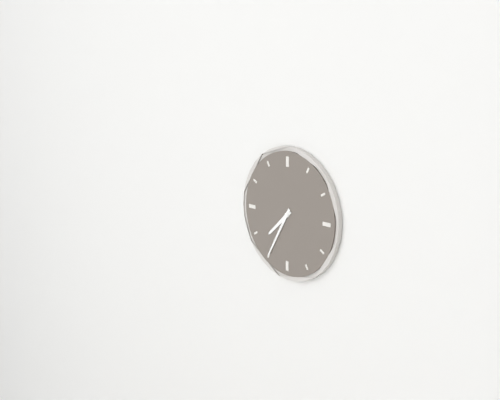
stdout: h=7 m=35
